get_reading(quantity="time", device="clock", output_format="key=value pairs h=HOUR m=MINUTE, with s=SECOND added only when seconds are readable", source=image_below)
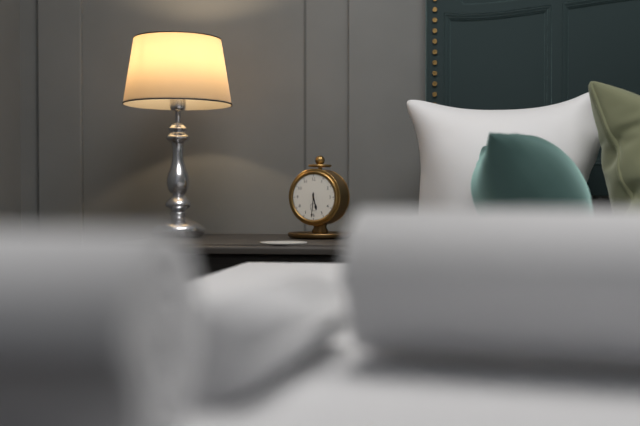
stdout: h=5 m=31
